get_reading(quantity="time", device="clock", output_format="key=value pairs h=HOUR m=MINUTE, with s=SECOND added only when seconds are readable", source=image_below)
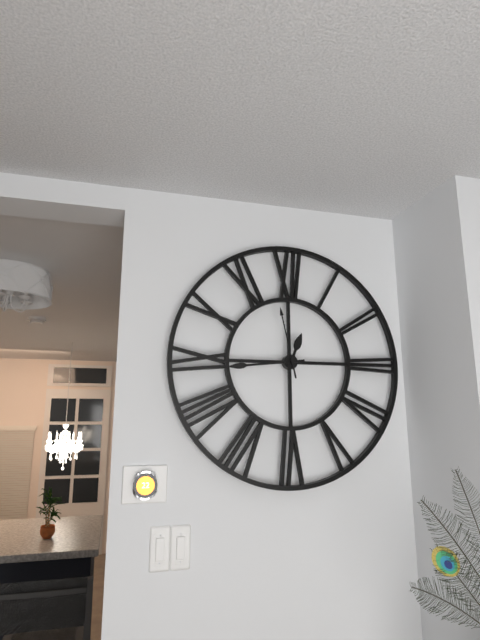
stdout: h=12 m=44 s=58
